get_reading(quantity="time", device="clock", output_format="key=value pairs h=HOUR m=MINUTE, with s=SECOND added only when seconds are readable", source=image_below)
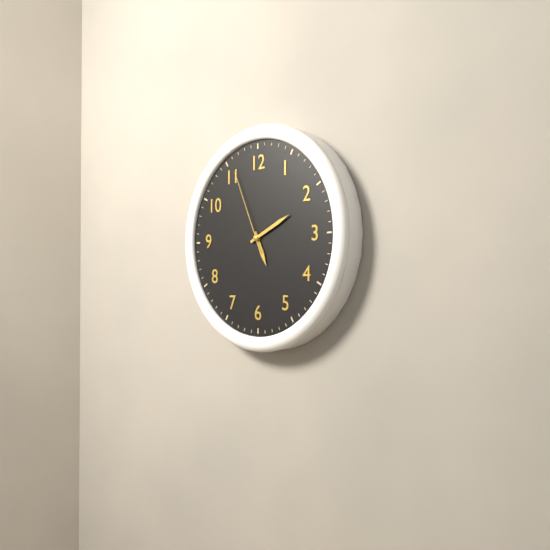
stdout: h=5 m=11 s=56
